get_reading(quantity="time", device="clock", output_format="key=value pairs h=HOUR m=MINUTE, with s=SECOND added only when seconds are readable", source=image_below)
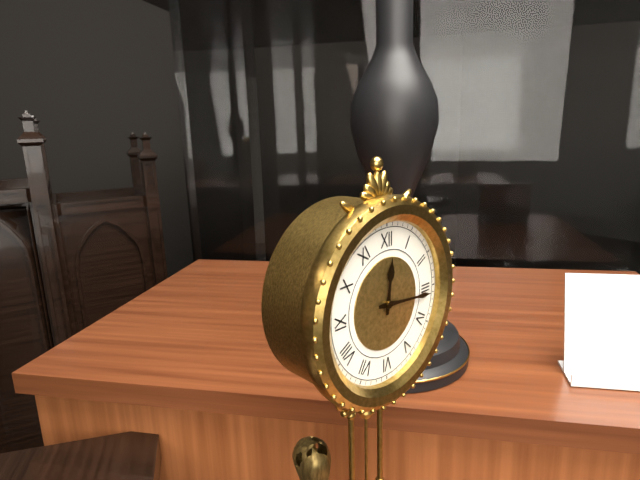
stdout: h=12 m=16
